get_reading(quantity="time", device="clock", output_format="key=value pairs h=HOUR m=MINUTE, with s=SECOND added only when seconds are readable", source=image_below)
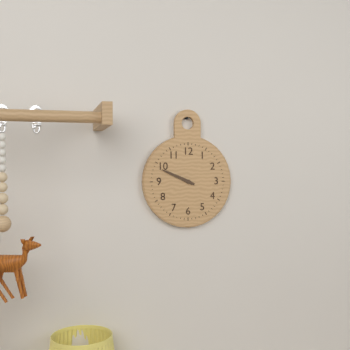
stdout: h=9 m=49
